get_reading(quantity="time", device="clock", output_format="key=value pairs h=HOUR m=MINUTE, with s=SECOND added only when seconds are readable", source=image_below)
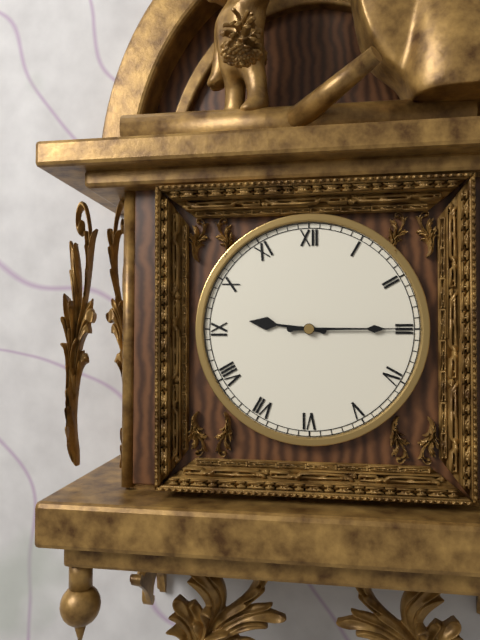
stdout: h=9 m=15
